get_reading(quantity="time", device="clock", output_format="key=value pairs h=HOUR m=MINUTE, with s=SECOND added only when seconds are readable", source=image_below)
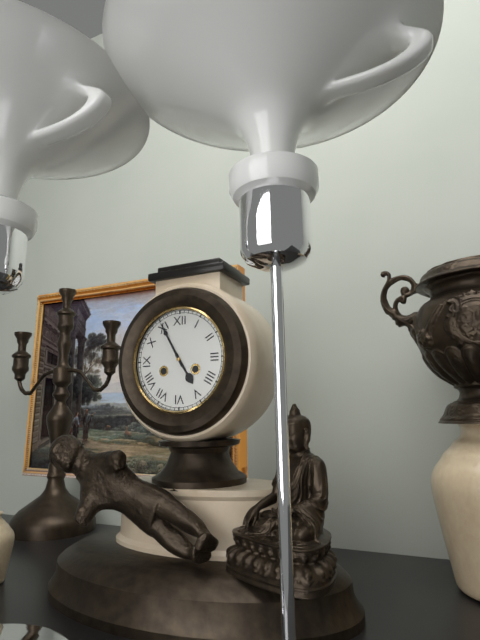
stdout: h=4 m=55
